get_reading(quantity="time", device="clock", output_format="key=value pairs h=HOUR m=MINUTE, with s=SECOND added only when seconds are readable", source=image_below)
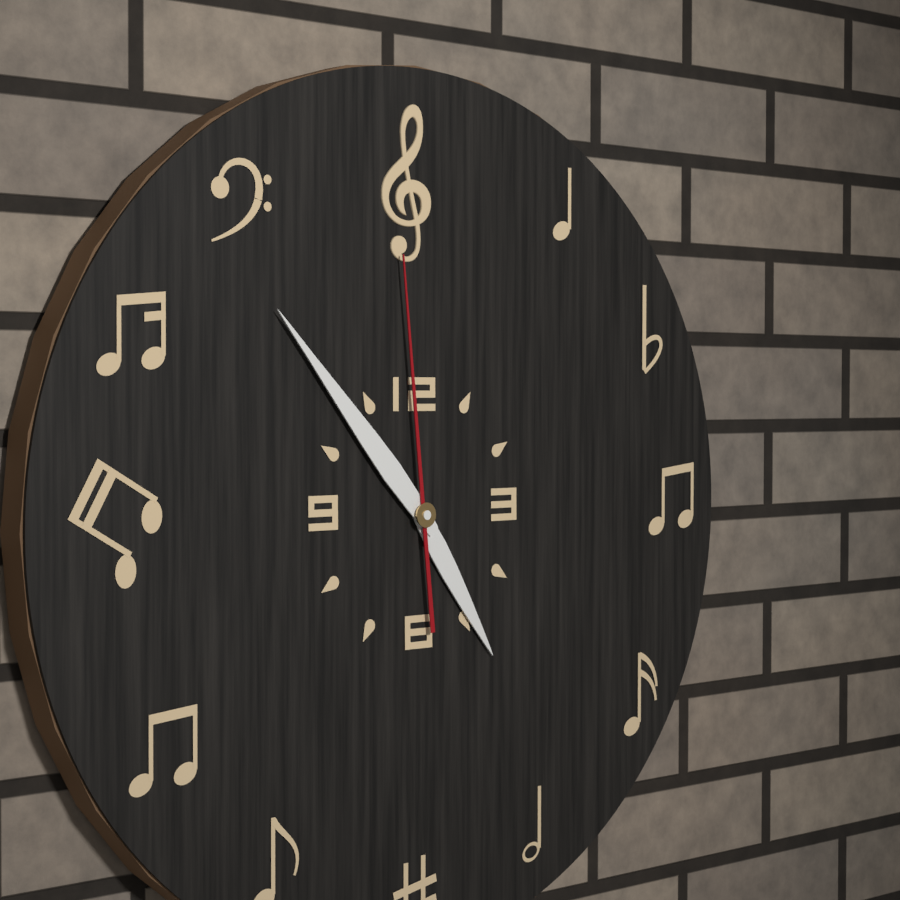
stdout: h=4 m=53 s=59
